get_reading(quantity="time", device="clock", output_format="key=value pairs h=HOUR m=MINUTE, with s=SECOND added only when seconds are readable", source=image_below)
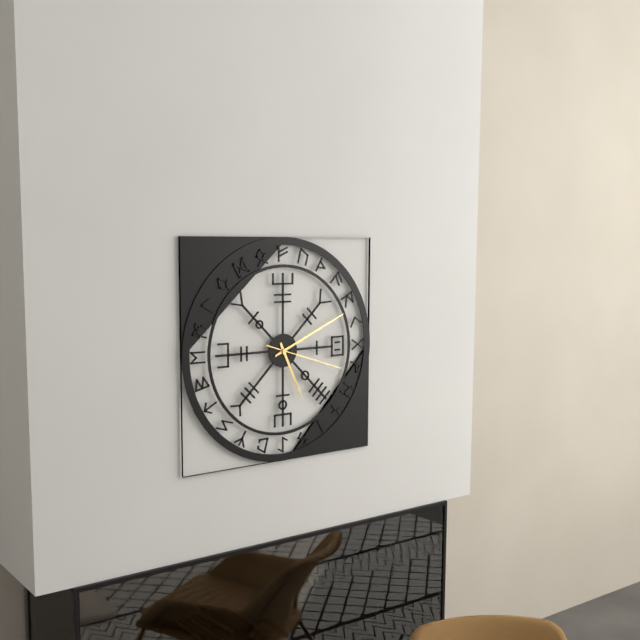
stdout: h=5 m=11 s=18
